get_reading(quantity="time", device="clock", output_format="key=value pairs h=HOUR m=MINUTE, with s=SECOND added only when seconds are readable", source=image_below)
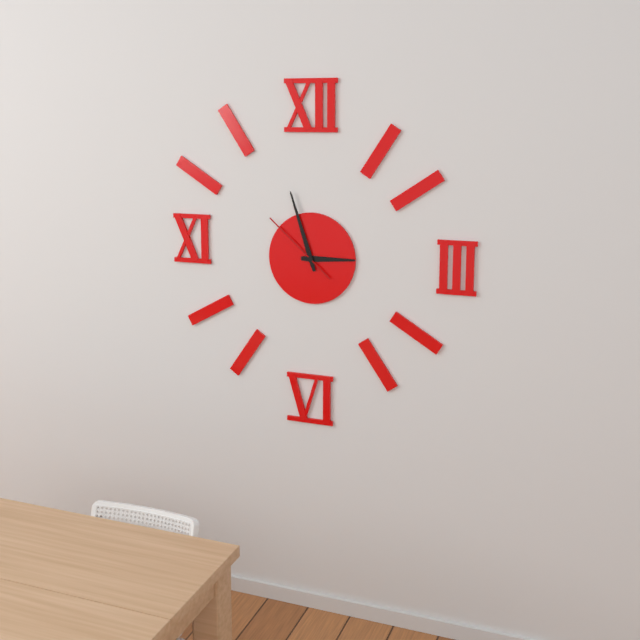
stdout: h=2 m=57 s=52
